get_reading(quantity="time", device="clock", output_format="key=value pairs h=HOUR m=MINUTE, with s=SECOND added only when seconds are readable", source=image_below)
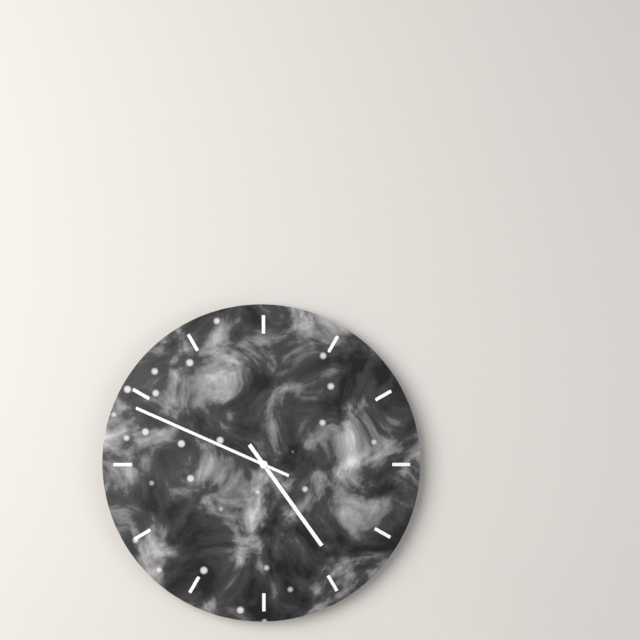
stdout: h=4 m=49
